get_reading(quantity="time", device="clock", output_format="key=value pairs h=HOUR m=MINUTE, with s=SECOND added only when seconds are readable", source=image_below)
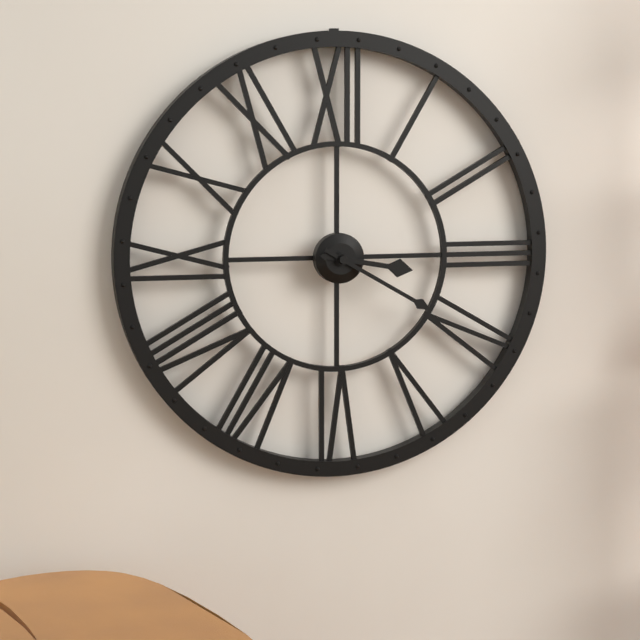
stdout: h=3 m=20
